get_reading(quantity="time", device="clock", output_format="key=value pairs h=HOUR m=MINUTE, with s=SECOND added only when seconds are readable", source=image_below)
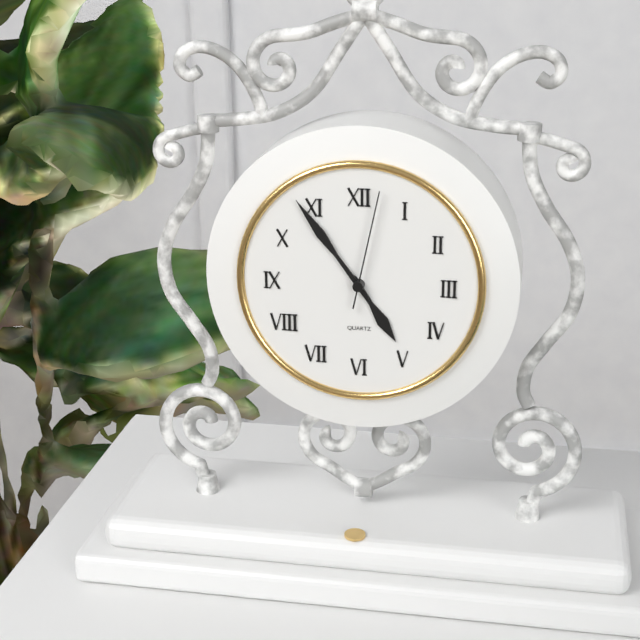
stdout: h=4 m=54 s=2
